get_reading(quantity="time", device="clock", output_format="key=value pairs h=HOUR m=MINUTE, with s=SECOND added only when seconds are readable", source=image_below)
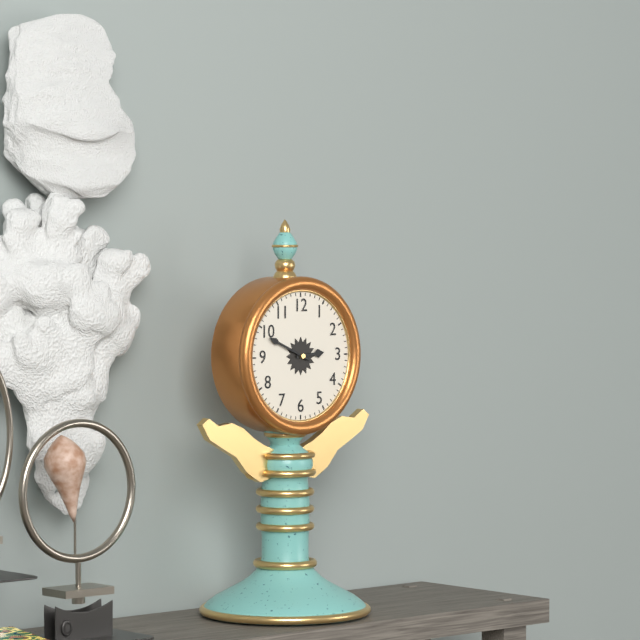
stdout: h=2 m=49
